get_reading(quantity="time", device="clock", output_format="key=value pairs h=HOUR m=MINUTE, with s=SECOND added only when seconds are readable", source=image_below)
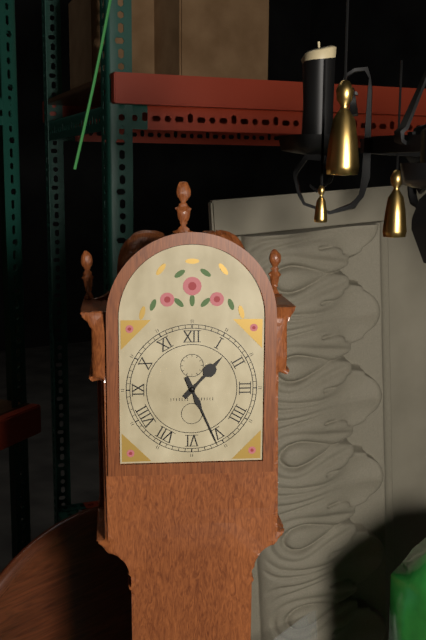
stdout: h=1 m=26
